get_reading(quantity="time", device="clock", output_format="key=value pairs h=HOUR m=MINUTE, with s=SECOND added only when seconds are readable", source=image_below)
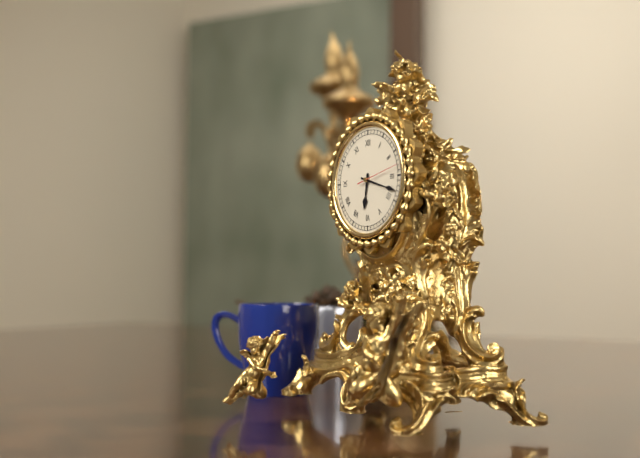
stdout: h=6 m=18
